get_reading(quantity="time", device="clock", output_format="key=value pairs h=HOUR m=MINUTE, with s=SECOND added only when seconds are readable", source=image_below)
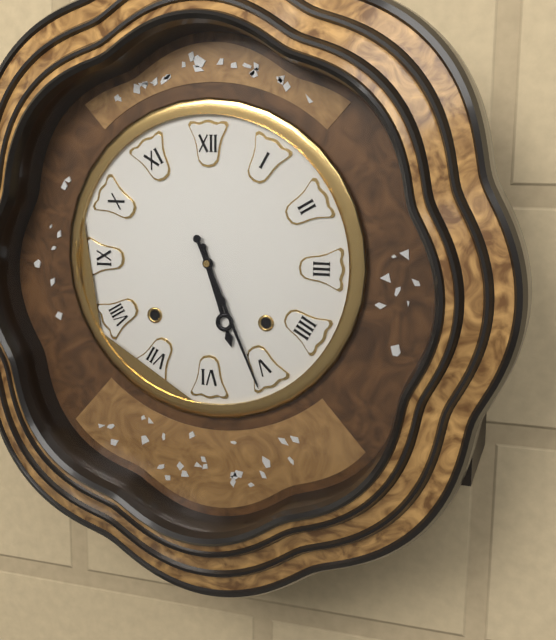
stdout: h=5 m=26
